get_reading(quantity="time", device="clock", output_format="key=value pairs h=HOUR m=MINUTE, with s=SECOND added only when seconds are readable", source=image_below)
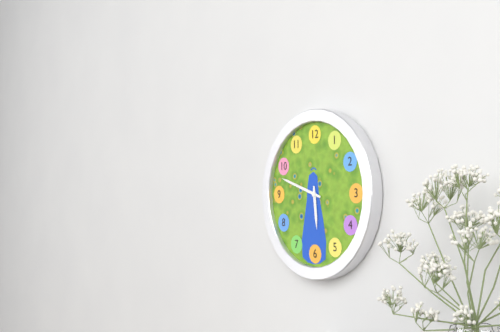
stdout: h=5 m=48
